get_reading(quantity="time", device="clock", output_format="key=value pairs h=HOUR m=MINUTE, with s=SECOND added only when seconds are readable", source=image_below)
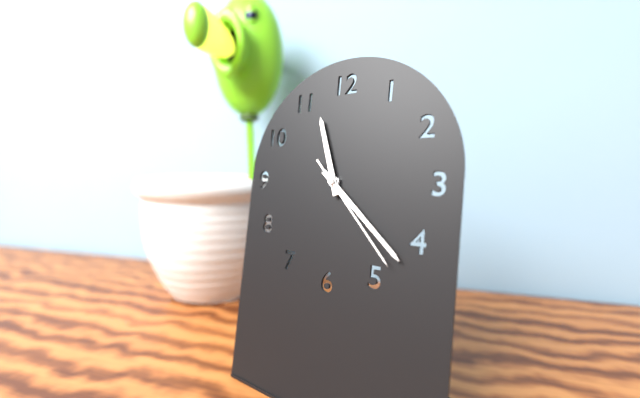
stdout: h=11 m=22 s=23
